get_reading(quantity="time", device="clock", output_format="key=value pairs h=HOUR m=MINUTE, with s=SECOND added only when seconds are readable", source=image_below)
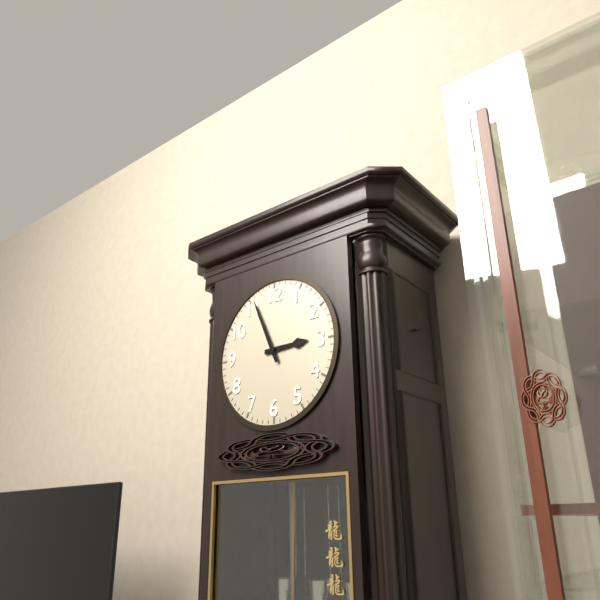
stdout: h=2 m=56
